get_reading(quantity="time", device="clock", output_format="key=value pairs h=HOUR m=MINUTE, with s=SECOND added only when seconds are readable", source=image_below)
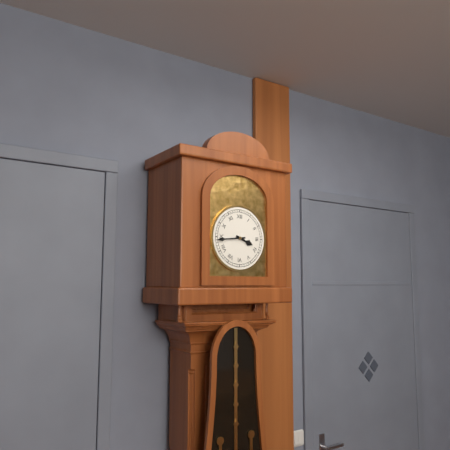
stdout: h=3 m=44
